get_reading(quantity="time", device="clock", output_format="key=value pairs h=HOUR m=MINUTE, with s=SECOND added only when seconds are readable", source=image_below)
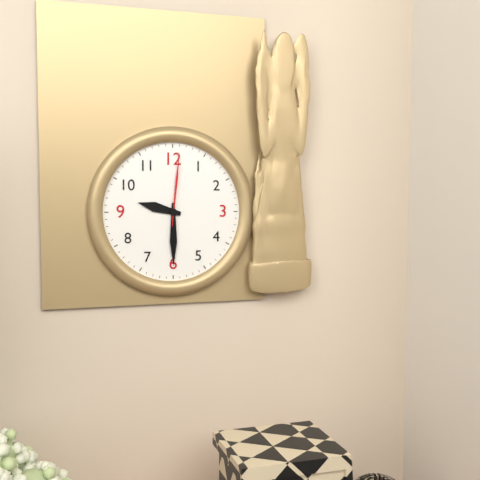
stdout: h=9 m=30 s=1
